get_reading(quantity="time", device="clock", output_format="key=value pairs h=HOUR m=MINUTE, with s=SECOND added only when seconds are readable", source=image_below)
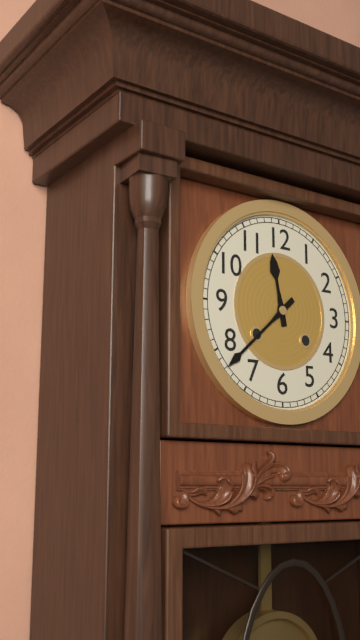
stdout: h=11 m=38
